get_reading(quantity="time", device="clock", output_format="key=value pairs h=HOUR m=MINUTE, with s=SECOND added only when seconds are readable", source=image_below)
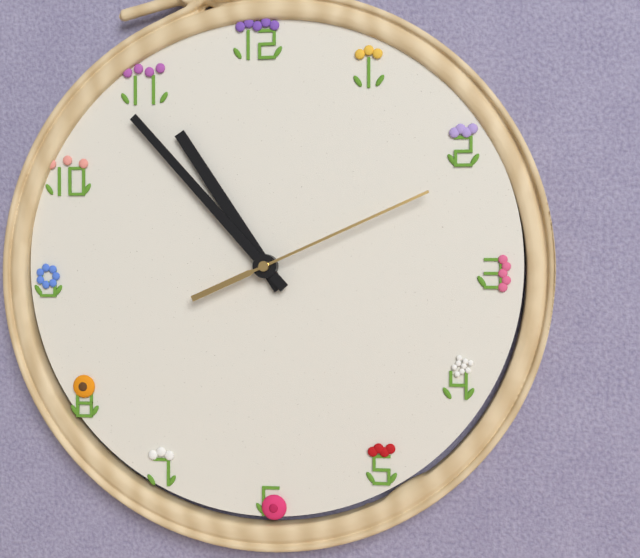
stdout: h=10 m=53 s=11
